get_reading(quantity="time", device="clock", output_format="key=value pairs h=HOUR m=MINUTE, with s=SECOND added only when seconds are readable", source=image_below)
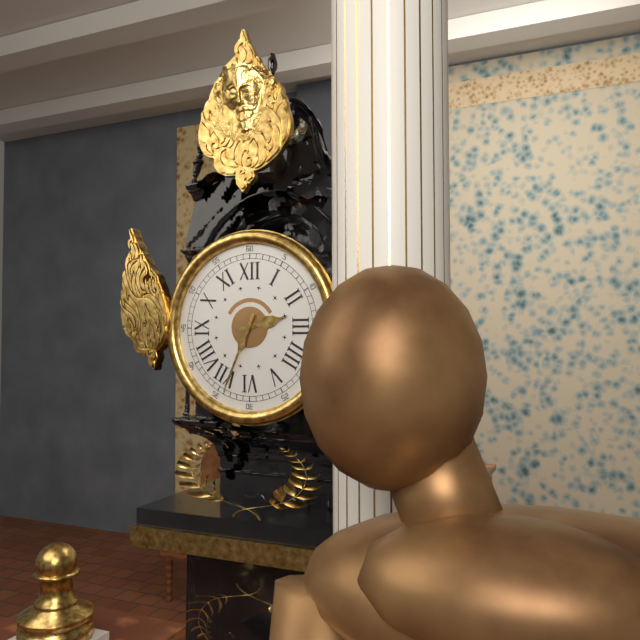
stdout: h=2 m=34
